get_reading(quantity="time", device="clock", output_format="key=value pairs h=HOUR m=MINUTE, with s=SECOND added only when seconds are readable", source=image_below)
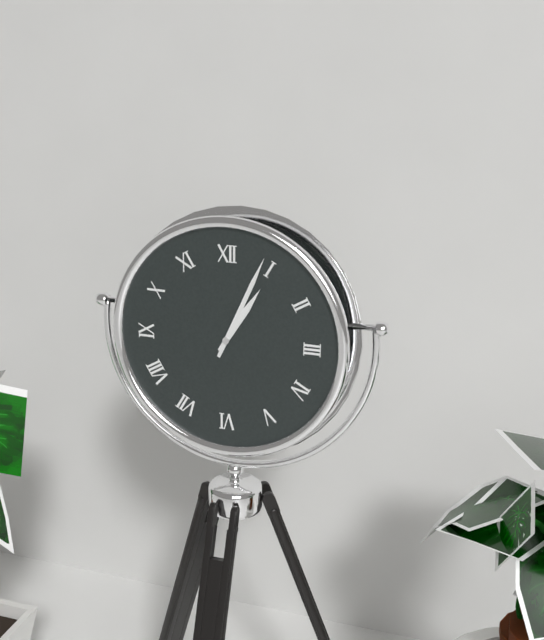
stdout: h=1 m=4
